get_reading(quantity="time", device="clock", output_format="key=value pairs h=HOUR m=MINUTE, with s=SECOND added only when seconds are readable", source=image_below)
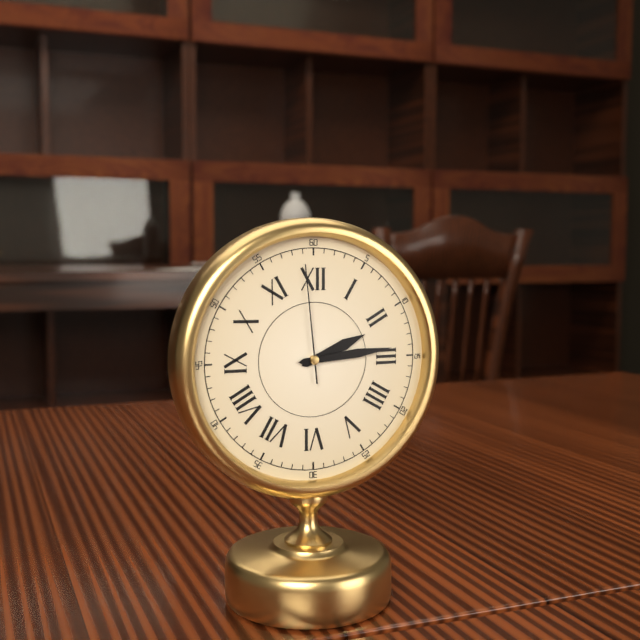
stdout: h=2 m=14 s=59
